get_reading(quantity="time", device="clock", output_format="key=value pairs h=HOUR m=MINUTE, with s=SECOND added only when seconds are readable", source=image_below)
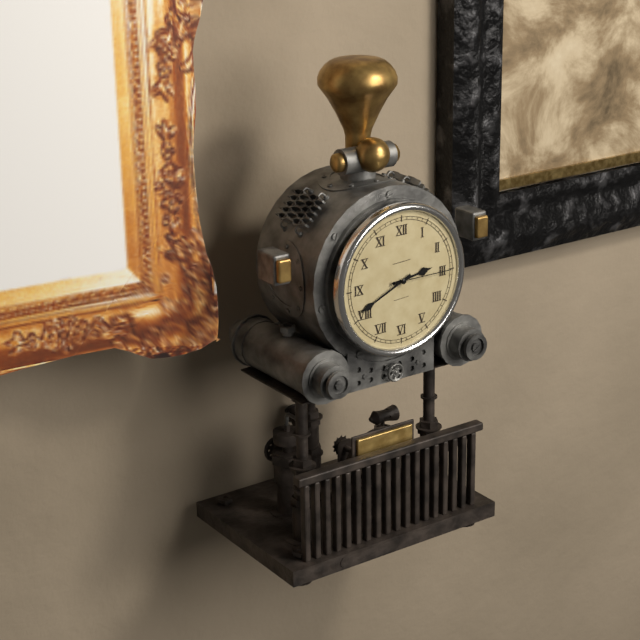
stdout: h=2 m=41 s=15
